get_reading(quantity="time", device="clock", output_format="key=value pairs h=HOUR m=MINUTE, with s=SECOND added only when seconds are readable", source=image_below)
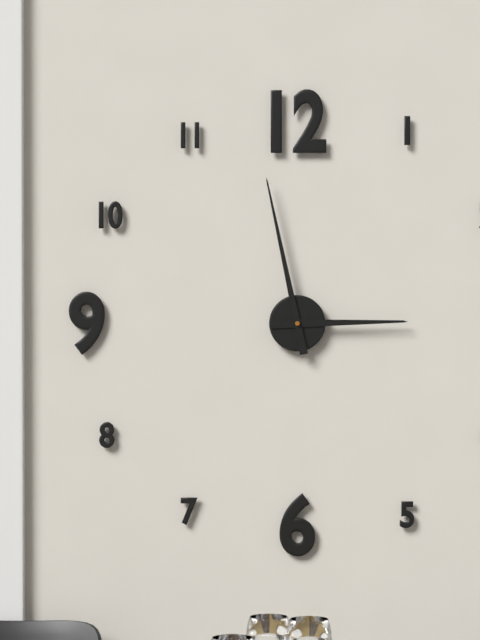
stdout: h=2 m=58
